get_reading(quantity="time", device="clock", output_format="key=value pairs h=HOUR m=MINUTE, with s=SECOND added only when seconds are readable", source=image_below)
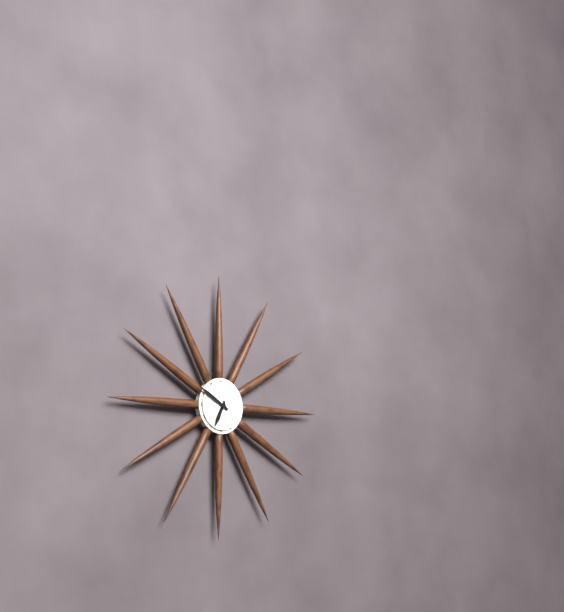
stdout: h=6 m=50
